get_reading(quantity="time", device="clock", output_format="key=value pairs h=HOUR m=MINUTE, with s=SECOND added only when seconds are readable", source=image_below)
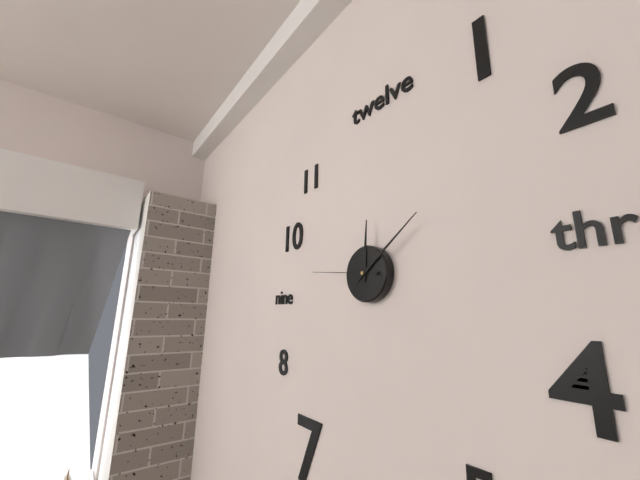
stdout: h=12 m=9 s=46
